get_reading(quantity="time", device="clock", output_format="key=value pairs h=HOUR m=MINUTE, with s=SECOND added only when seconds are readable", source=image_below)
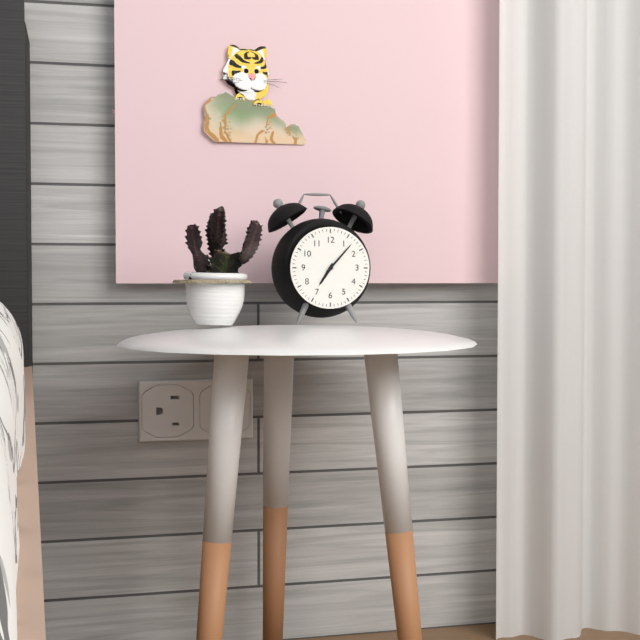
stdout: h=7 m=7
